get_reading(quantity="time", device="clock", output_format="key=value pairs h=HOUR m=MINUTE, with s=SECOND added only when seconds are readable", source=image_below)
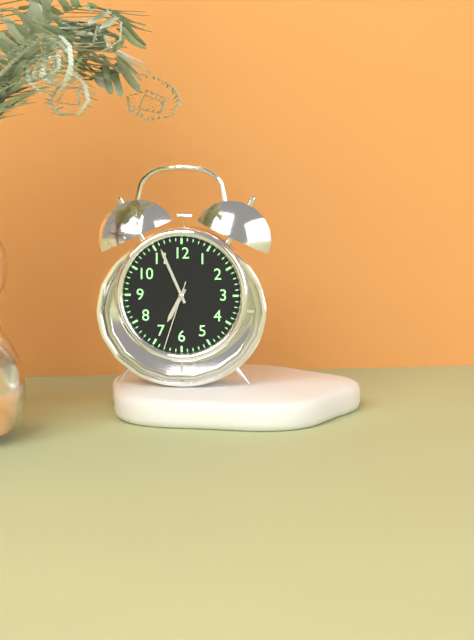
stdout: h=6 m=56 s=33
